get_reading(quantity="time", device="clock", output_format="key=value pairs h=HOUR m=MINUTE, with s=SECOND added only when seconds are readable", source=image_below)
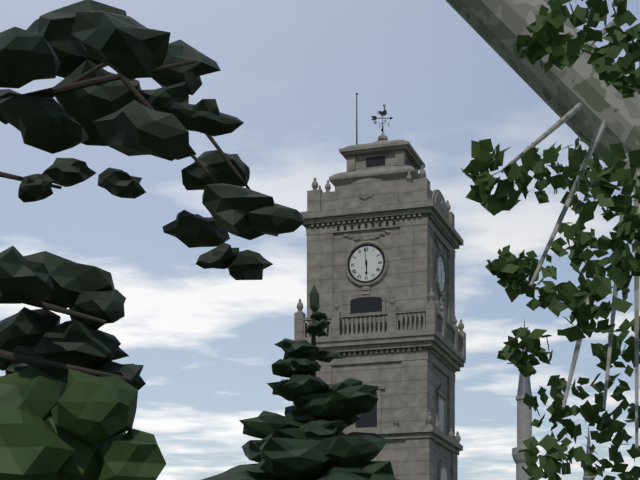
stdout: h=5 m=59
